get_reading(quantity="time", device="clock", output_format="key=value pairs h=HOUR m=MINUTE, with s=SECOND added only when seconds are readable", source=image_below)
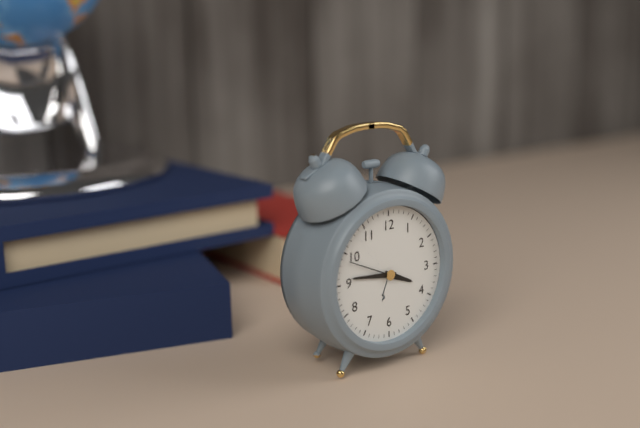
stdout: h=3 m=46 s=49
